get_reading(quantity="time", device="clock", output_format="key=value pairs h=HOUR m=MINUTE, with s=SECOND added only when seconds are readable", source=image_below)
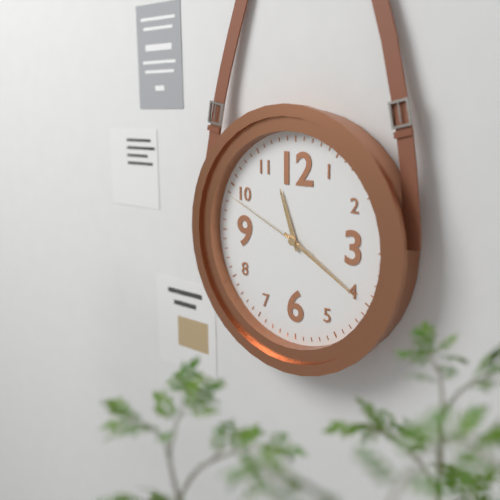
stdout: h=11 m=20 s=49
